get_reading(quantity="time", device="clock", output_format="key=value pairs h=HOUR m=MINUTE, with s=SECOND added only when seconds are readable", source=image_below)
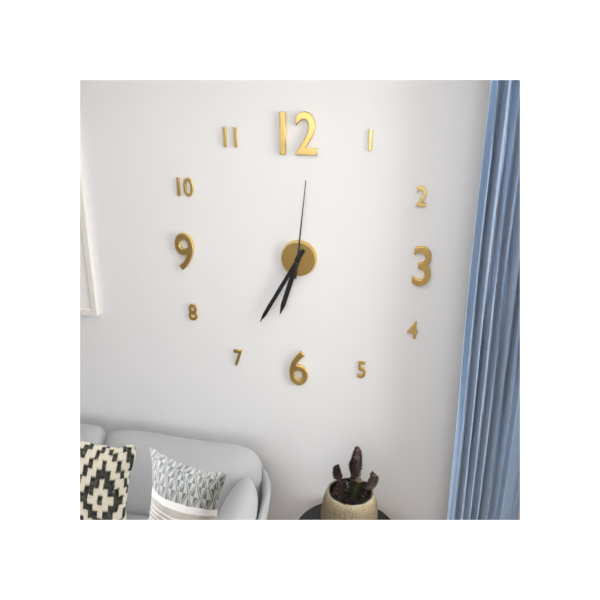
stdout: h=6 m=35 s=1
